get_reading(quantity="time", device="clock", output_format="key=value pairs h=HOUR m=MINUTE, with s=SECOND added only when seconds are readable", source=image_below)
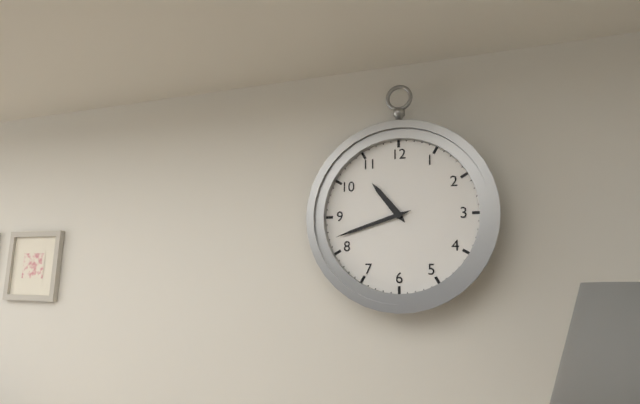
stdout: h=10 m=42
